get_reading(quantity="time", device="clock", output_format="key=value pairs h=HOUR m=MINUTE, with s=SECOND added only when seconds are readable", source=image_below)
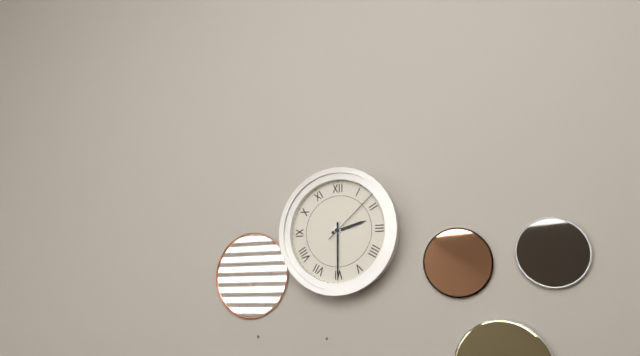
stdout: h=2 m=30 s=8
